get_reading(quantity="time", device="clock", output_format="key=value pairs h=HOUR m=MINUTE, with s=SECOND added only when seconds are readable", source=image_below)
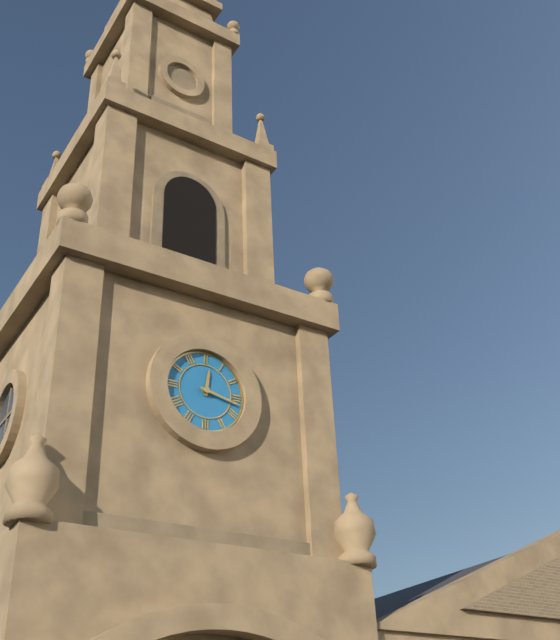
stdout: h=12 m=17
